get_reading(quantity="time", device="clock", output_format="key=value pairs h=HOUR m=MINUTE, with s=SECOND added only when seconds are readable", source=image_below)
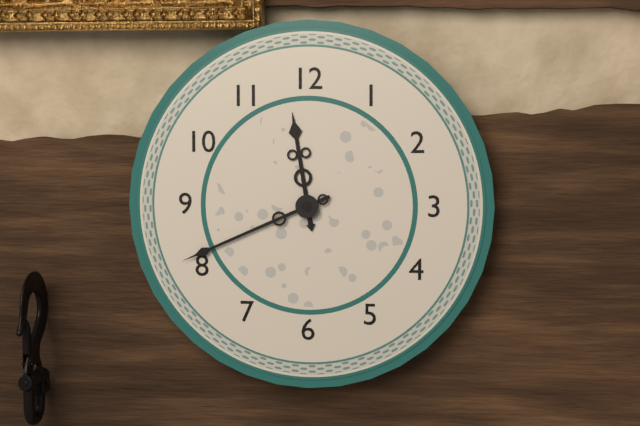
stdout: h=11 m=41
